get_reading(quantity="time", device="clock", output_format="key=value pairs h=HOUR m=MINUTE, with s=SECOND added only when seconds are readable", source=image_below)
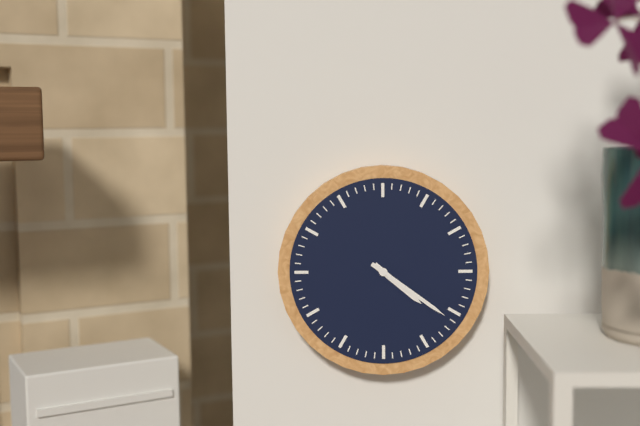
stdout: h=4 m=21
